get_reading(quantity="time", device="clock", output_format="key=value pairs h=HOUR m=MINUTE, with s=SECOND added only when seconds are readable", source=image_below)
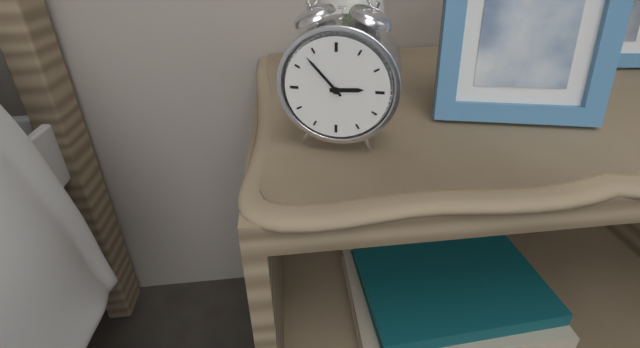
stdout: h=2 m=53
